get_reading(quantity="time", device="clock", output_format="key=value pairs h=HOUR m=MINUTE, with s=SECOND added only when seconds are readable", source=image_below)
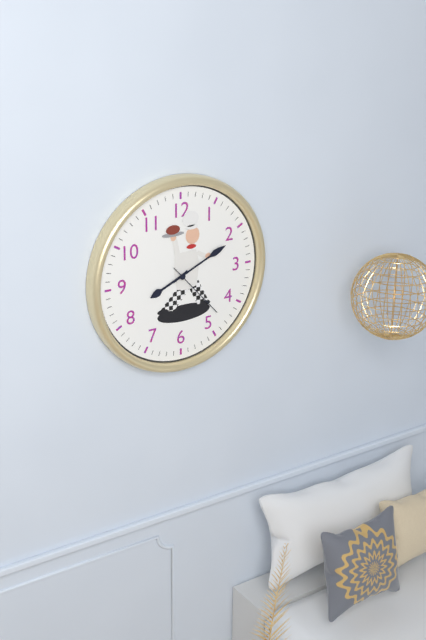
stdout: h=8 m=11 s=23
